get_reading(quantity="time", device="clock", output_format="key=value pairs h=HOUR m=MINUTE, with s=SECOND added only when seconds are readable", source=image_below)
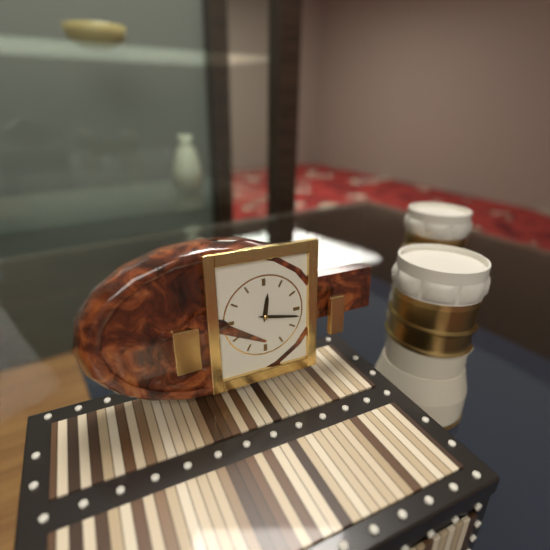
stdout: h=12 m=17
